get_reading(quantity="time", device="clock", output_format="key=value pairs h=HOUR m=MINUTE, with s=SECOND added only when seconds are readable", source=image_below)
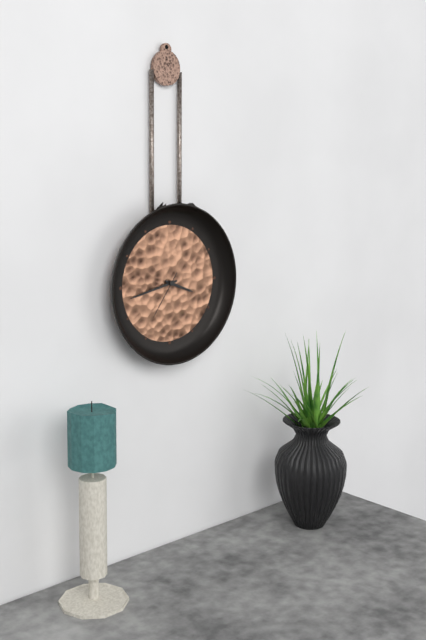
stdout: h=3 m=43
